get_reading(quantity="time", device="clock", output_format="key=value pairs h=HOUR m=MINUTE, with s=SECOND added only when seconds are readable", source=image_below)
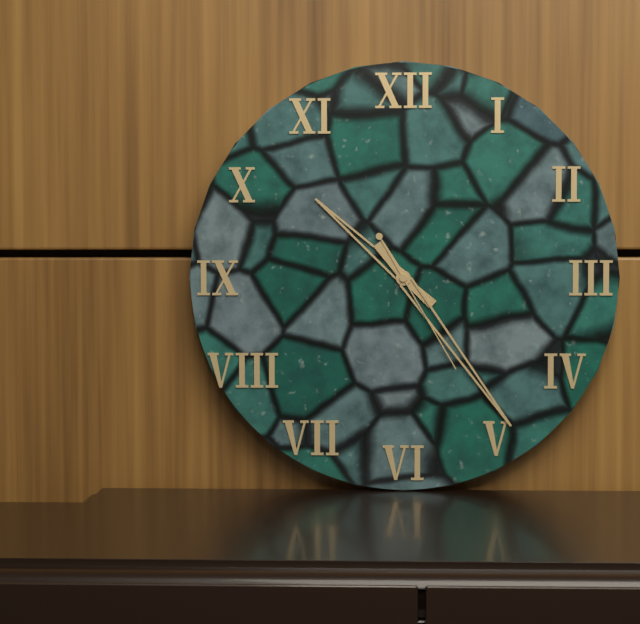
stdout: h=10 m=24 s=25
